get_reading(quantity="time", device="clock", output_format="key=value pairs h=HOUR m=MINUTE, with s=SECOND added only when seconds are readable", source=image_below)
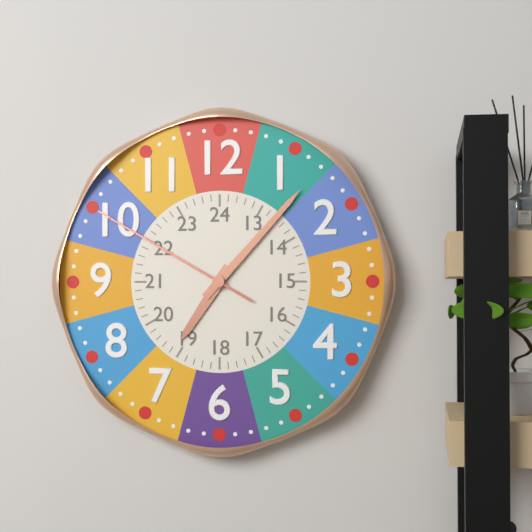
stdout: h=7 m=7 s=50
